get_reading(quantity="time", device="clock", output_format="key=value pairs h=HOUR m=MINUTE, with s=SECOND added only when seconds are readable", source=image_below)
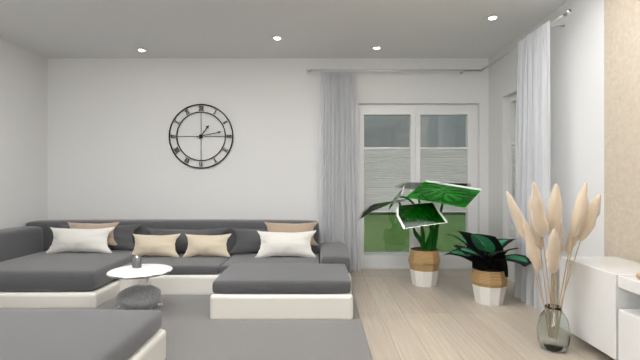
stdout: h=1 m=13
